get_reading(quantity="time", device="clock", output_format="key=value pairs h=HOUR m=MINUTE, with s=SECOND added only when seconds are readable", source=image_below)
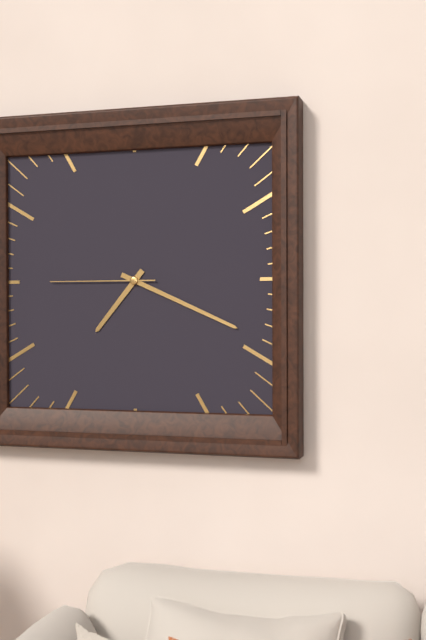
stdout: h=7 m=19 s=45
